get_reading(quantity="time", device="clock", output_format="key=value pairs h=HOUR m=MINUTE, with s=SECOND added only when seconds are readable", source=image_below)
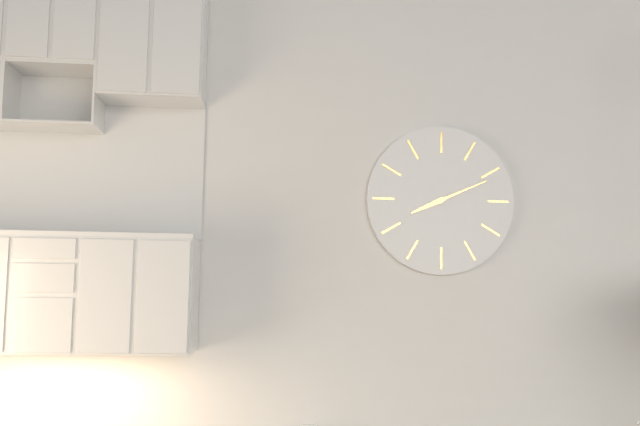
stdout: h=8 m=11
